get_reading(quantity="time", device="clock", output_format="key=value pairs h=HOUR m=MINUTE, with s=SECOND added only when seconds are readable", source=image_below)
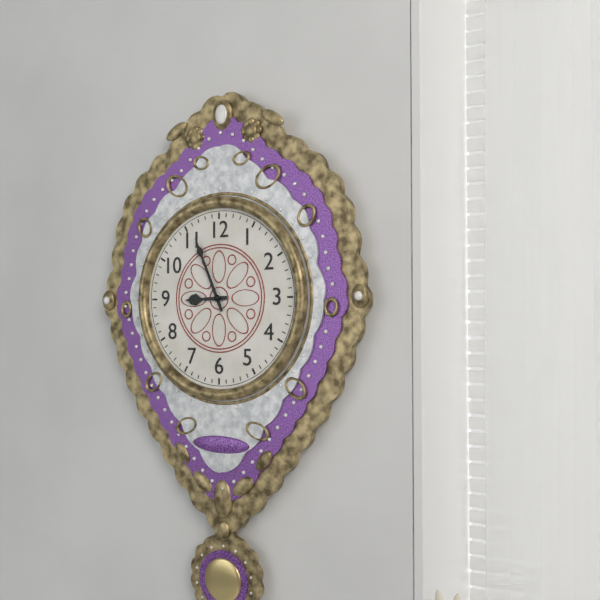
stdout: h=8 m=56
